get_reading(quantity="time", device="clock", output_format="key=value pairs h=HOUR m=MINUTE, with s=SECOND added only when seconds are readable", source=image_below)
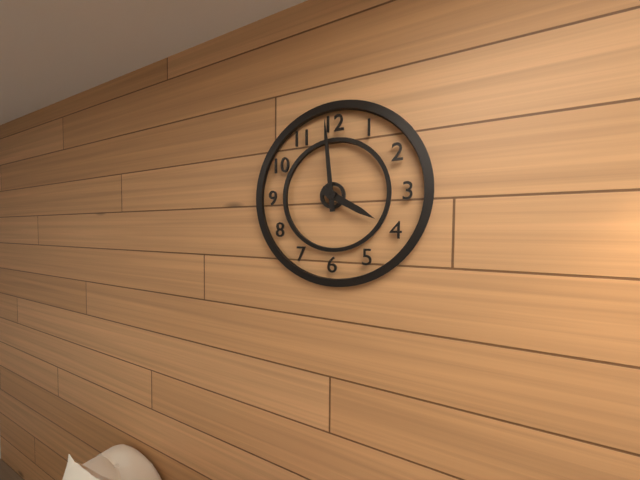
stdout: h=3 m=59
